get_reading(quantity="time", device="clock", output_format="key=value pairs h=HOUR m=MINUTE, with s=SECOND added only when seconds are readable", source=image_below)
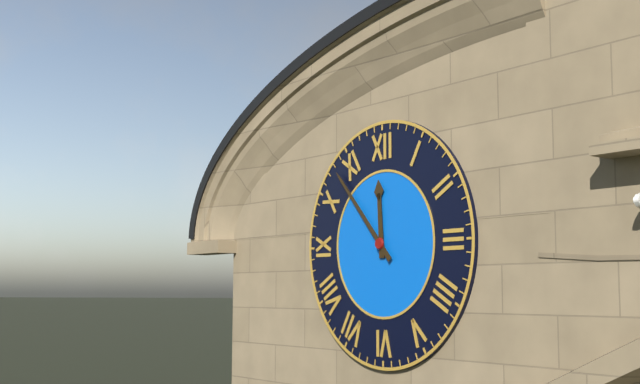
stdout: h=11 m=53
